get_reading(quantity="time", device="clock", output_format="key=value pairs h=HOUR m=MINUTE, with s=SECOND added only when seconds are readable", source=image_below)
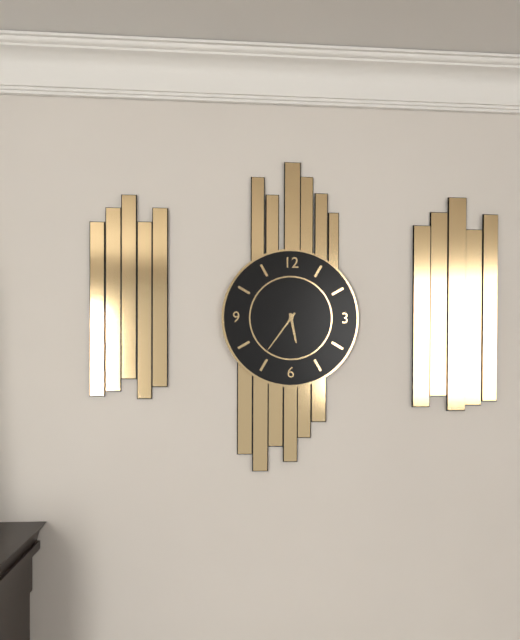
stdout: h=5 m=36
